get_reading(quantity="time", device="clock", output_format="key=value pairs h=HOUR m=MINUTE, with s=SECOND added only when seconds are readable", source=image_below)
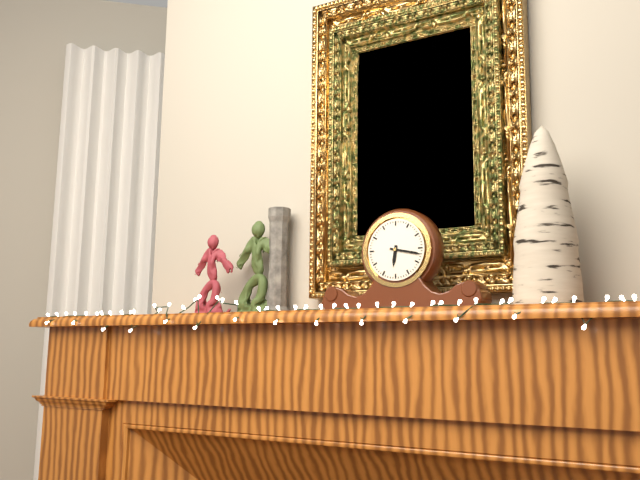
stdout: h=6 m=17
